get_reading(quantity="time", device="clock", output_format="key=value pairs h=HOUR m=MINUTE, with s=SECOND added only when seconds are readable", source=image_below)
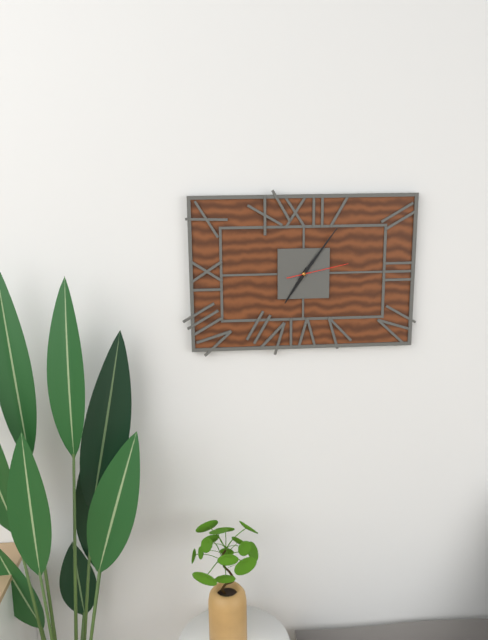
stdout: h=7 m=6 s=13
